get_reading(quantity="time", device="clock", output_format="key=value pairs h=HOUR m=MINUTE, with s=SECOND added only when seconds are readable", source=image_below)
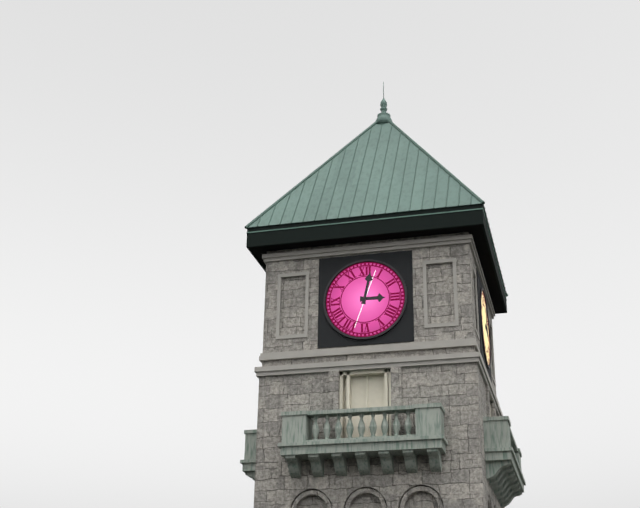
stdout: h=3 m=2
